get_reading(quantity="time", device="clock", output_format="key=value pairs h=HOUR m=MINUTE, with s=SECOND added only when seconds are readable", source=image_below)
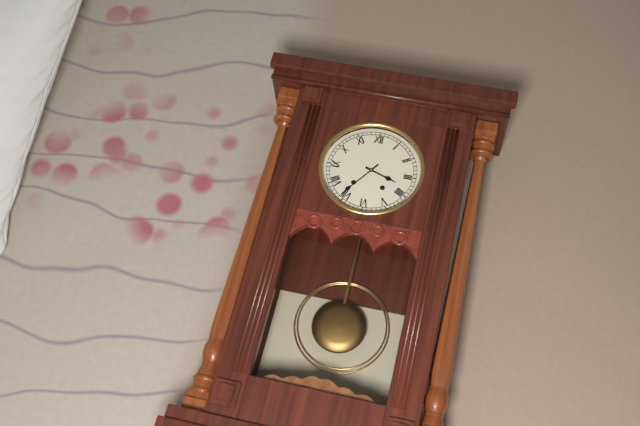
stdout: h=3 m=36
